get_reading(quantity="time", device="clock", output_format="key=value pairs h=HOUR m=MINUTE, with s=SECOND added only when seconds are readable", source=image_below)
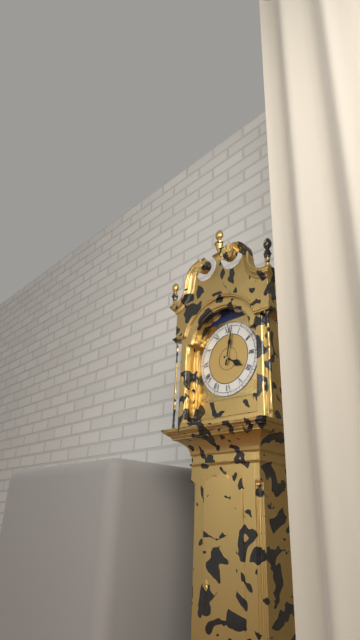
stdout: h=4 m=2
